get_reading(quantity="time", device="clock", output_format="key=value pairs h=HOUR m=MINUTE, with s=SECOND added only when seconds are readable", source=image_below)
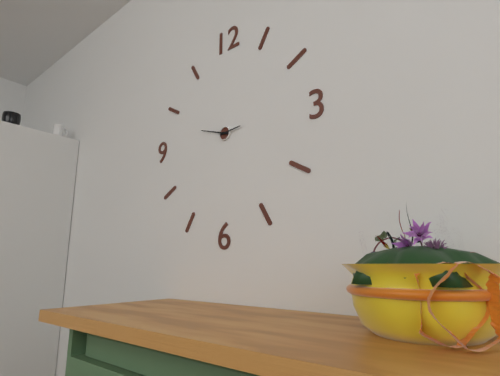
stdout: h=2 m=48
